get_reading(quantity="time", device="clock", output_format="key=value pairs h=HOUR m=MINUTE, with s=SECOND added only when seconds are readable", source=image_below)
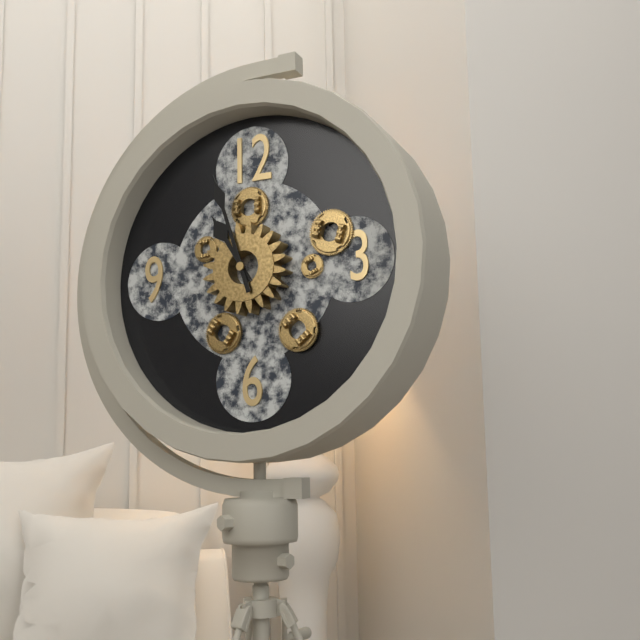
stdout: h=10 m=57
